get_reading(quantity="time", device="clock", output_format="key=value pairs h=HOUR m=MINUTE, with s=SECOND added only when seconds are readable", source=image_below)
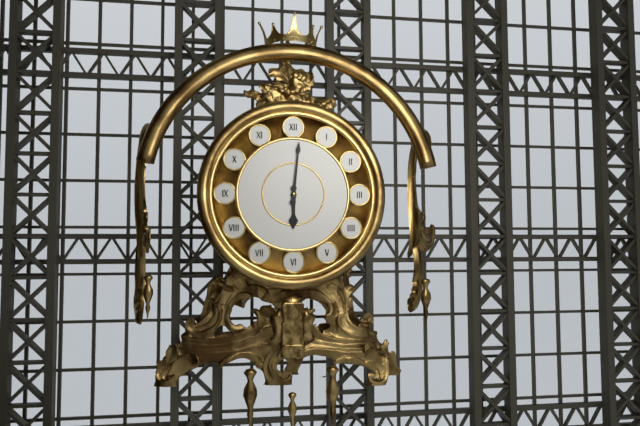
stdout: h=6 m=1
